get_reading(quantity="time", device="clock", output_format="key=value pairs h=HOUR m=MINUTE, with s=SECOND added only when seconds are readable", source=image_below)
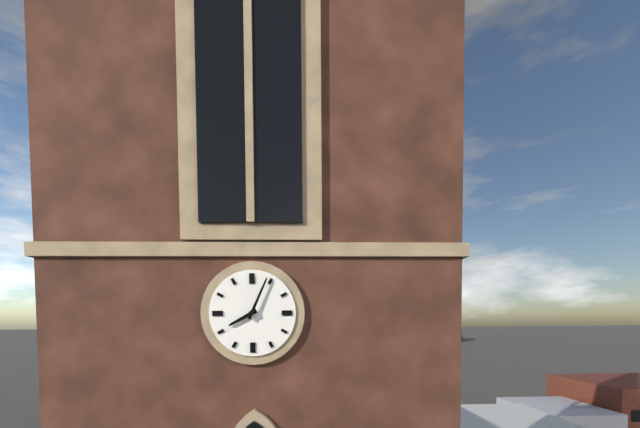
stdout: h=8 m=4
